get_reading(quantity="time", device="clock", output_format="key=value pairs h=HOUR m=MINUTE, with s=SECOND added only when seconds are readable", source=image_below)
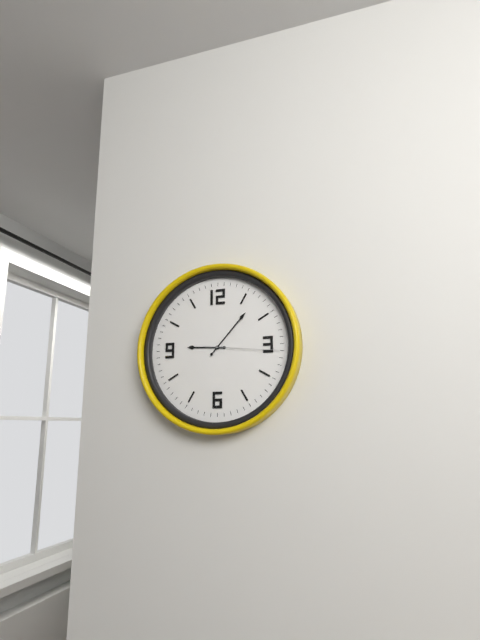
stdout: h=9 m=7 s=16
